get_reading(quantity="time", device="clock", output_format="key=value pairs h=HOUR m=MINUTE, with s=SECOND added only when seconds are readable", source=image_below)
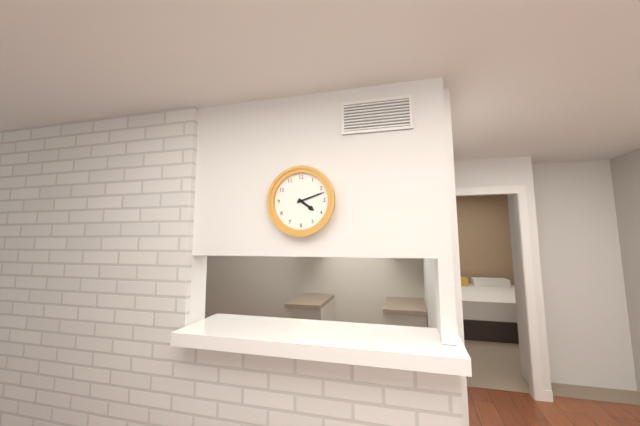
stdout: h=4 m=12
